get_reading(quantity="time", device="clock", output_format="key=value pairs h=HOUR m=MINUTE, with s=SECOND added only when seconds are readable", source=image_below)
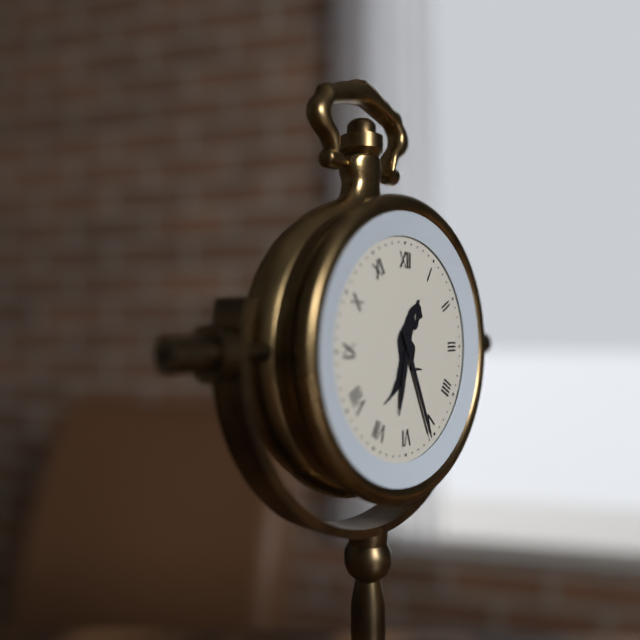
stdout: h=6 m=26
